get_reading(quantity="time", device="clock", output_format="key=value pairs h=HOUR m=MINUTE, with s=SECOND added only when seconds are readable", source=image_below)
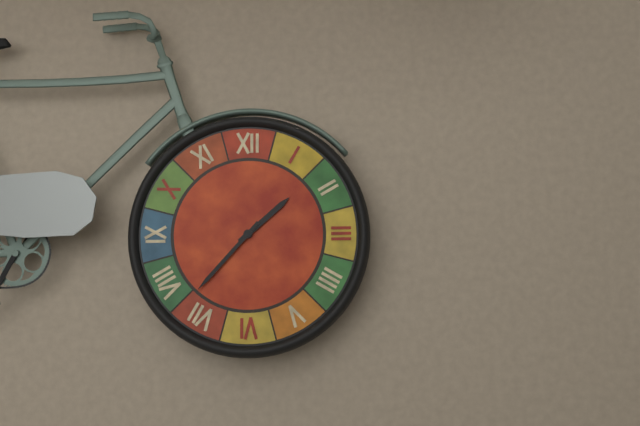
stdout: h=1 m=37
